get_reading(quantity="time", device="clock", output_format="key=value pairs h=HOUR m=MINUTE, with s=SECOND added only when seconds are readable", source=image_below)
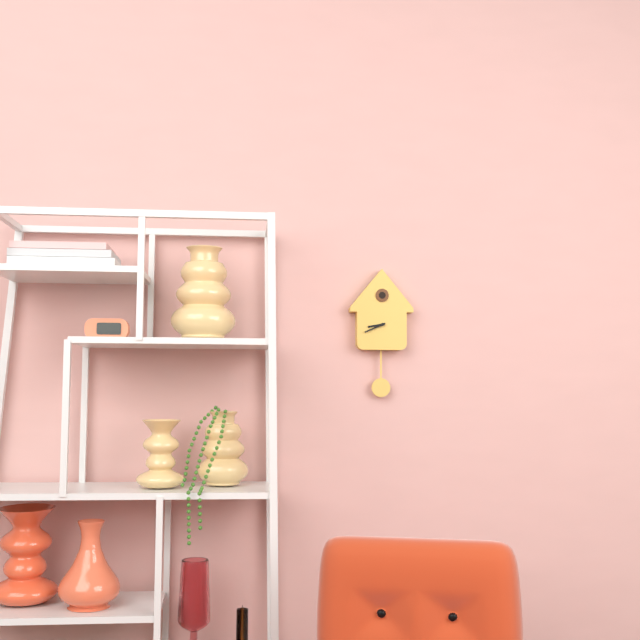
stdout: h=8 m=41
